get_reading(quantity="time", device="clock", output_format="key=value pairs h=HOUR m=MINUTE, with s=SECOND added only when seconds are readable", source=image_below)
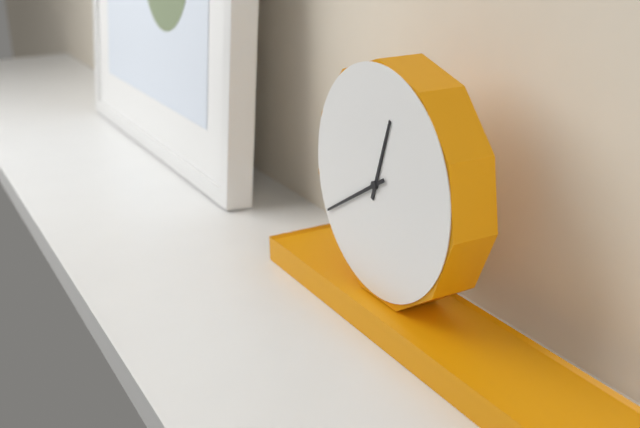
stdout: h=12 m=40
